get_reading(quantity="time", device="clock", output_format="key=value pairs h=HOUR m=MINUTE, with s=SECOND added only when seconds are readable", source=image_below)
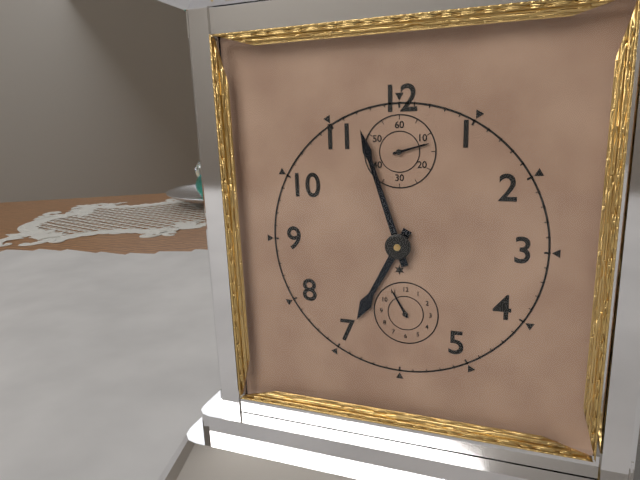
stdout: h=6 m=57
